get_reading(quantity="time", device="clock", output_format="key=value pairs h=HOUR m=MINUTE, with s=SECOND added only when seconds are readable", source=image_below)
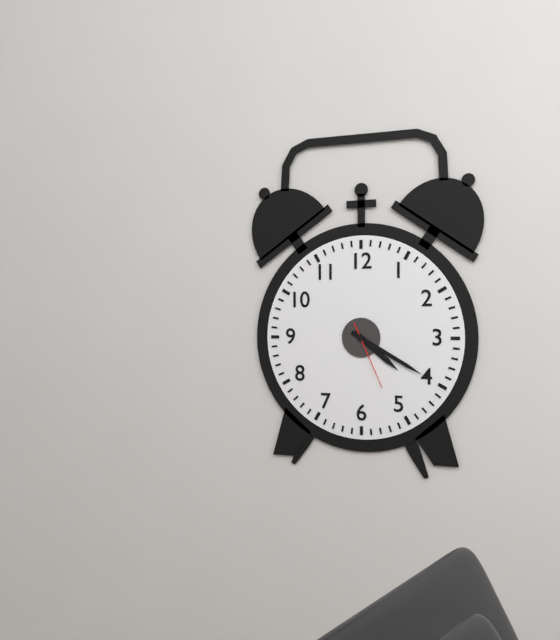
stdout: h=4 m=20 s=26
